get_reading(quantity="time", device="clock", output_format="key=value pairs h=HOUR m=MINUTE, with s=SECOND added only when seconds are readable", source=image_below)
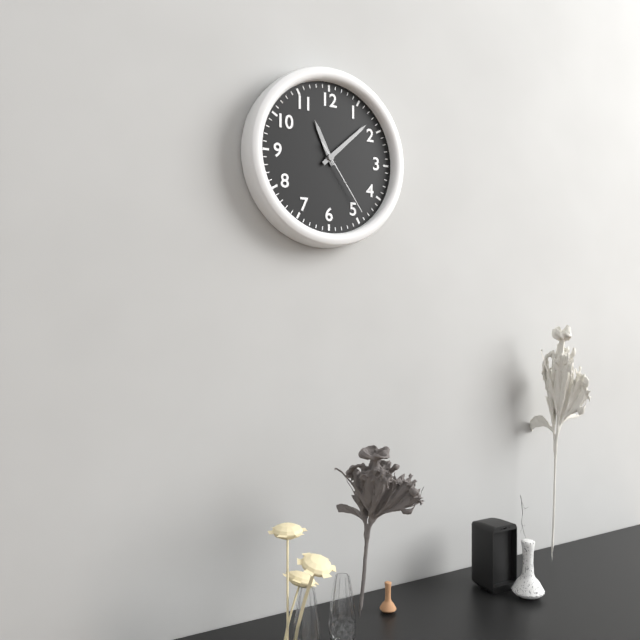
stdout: h=11 m=8 s=24
